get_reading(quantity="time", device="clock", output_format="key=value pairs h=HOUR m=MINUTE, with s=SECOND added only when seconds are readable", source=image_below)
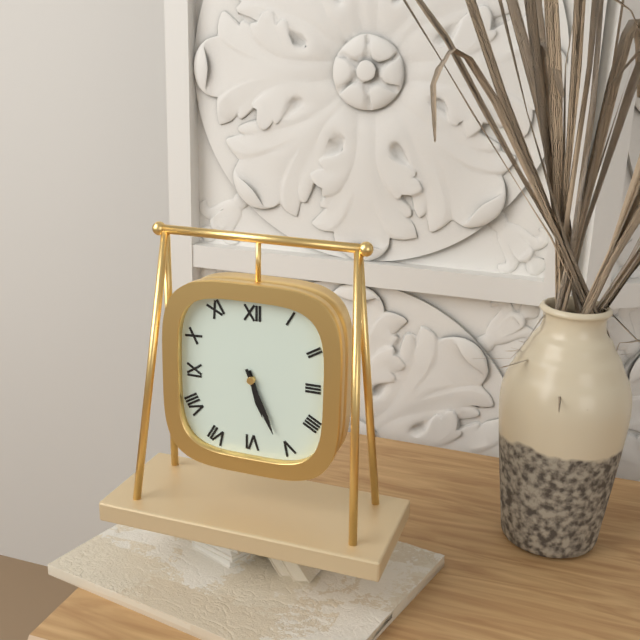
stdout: h=5 m=26
